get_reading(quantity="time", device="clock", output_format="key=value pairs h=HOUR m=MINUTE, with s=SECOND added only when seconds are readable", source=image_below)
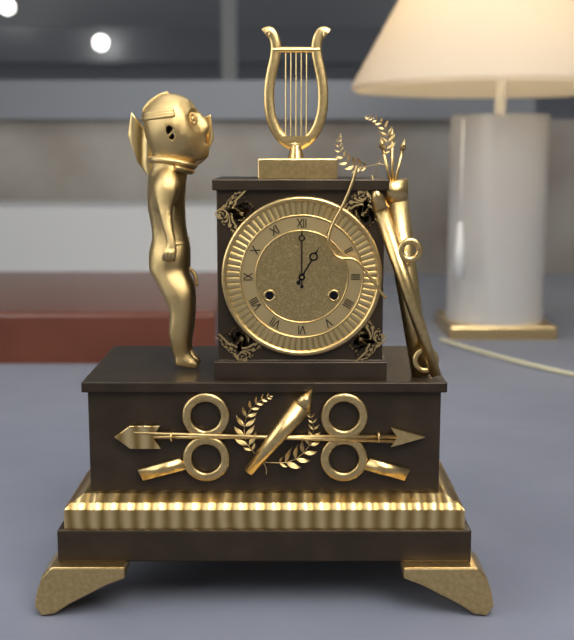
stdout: h=1 m=0
